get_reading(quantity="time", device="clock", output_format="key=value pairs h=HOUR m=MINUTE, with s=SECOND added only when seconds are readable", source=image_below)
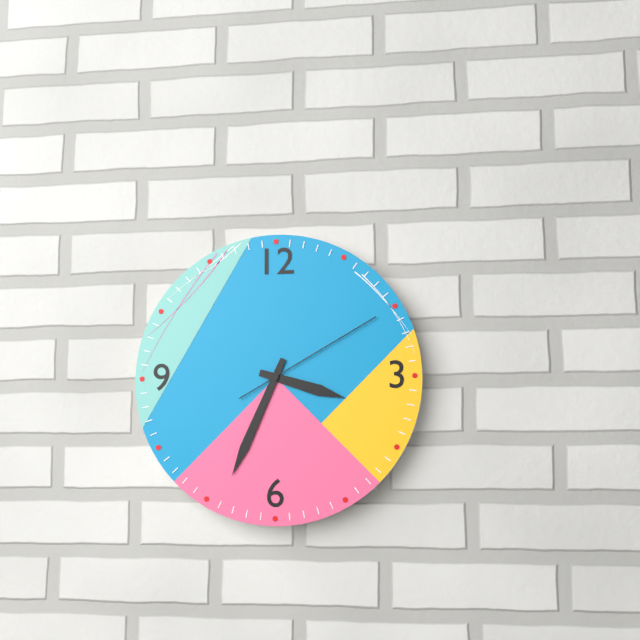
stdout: h=3 m=34 s=10
